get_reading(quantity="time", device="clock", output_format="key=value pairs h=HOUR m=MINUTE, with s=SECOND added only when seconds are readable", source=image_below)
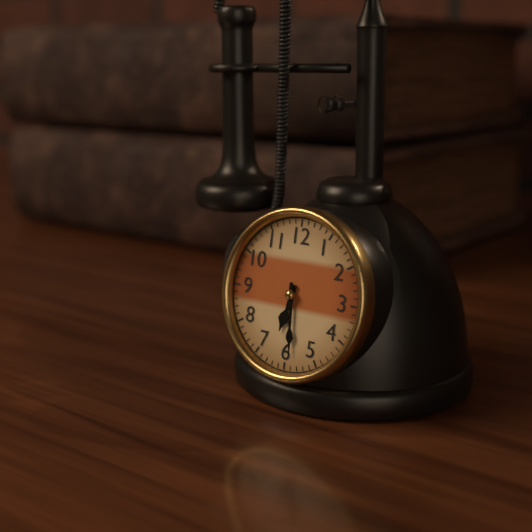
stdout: h=6 m=29
